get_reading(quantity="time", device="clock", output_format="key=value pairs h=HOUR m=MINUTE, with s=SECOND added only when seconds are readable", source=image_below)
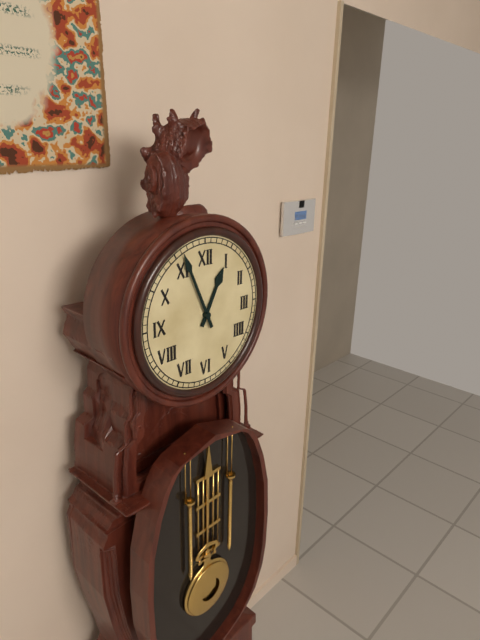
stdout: h=12 m=56
